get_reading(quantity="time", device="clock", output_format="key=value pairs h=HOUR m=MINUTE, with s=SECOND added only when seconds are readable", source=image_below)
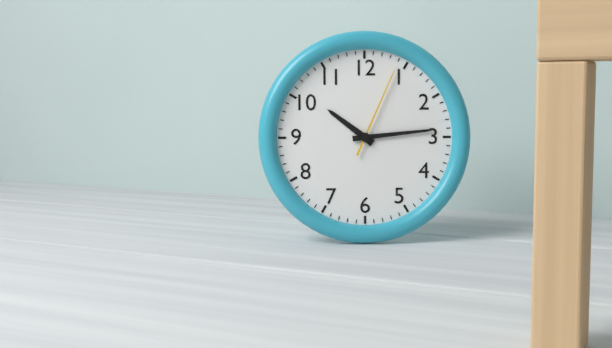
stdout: h=10 m=14 s=4
